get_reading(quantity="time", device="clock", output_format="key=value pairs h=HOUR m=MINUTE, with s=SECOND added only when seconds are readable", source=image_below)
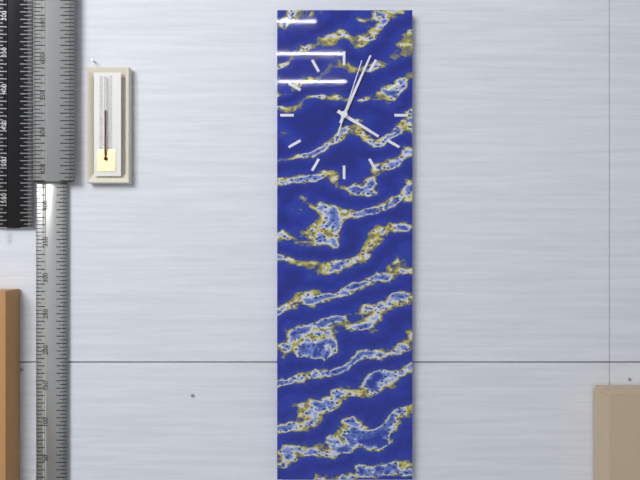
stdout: h=4 m=4 s=3
